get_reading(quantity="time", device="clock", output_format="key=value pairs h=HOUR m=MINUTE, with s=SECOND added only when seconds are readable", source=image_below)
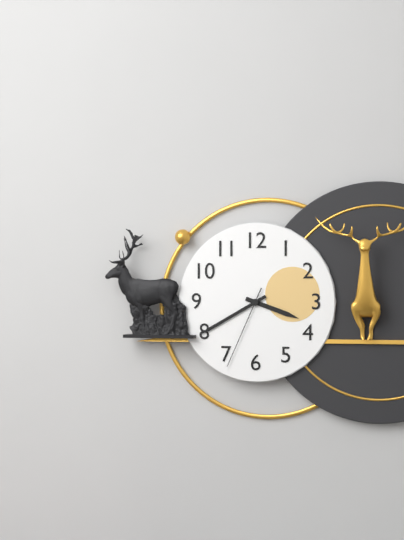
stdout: h=3 m=40 s=34
